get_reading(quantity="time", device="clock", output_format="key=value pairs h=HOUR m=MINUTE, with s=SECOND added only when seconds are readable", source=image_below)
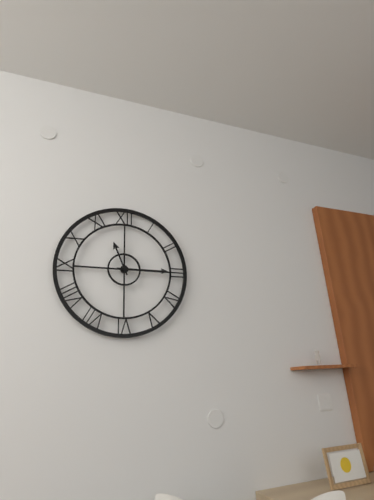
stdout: h=11 m=15
